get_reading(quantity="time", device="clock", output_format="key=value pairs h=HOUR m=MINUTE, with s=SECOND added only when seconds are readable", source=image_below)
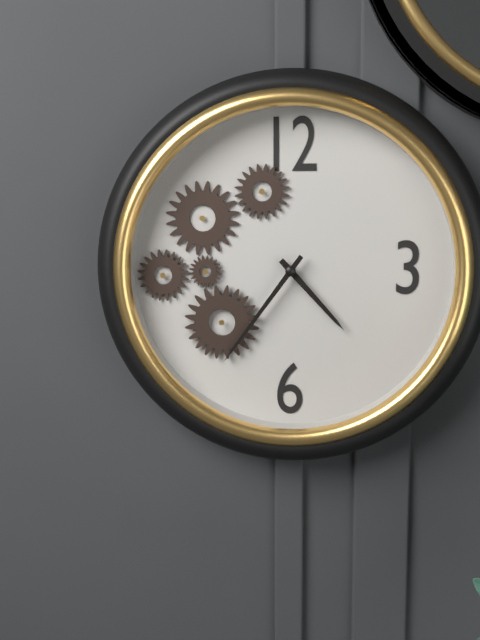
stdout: h=4 m=36
